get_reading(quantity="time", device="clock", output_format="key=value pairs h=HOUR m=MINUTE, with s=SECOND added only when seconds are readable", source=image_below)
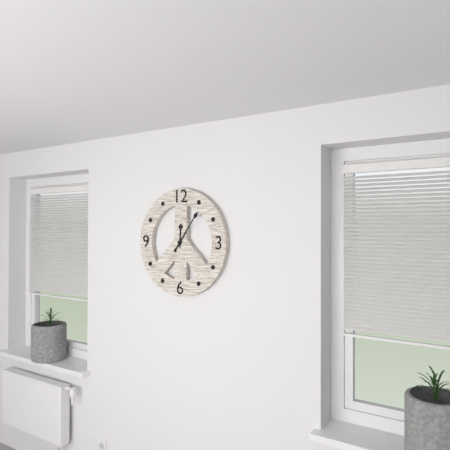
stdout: h=12 m=6
